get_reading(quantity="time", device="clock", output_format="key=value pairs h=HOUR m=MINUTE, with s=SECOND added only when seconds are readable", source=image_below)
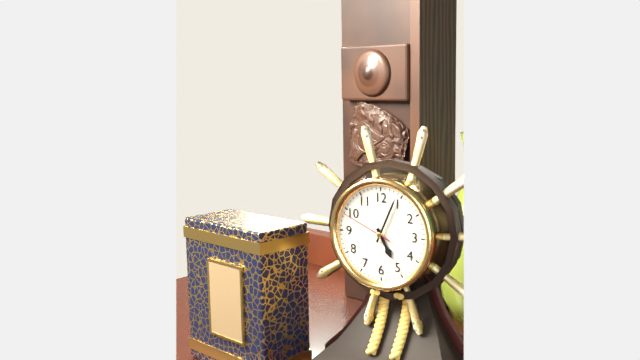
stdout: h=5 m=4 s=49
